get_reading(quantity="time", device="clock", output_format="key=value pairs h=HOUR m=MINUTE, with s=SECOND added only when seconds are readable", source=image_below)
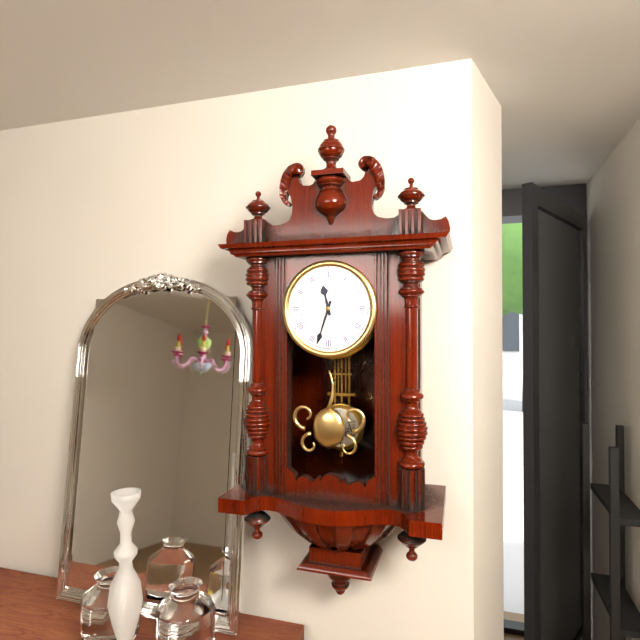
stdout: h=11 m=33
